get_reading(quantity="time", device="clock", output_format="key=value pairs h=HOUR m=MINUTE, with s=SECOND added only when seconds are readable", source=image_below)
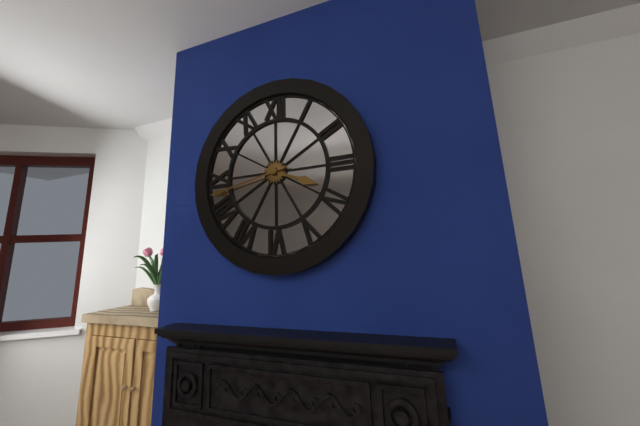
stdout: h=3 m=43
